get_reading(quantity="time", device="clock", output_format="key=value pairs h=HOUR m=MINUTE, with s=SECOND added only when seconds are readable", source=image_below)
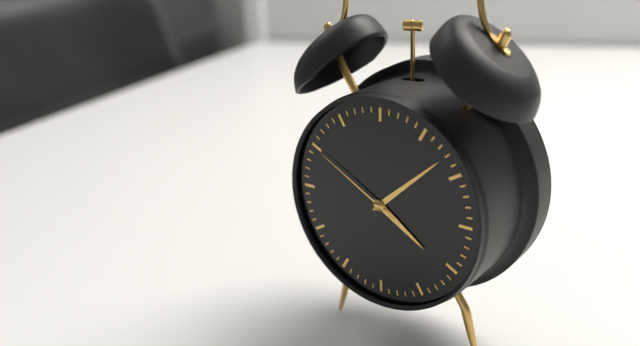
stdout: h=4 m=8 s=50
